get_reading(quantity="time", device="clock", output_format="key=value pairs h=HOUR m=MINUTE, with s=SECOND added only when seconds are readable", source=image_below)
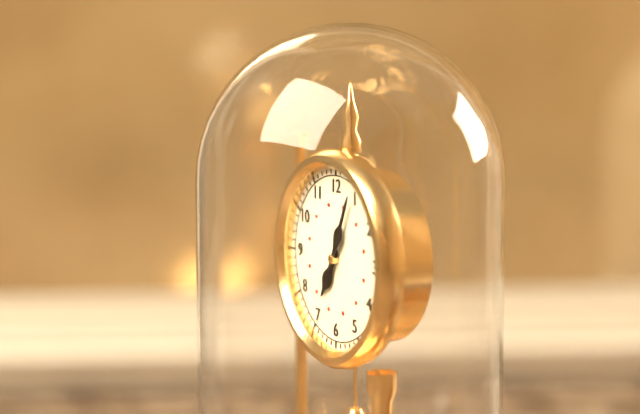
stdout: h=7 m=4
